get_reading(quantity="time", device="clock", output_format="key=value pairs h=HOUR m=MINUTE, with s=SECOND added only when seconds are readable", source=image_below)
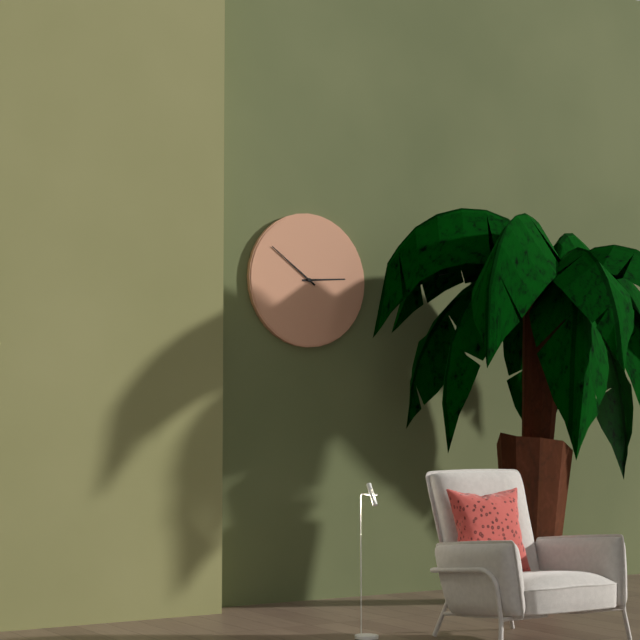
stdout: h=2 m=51
